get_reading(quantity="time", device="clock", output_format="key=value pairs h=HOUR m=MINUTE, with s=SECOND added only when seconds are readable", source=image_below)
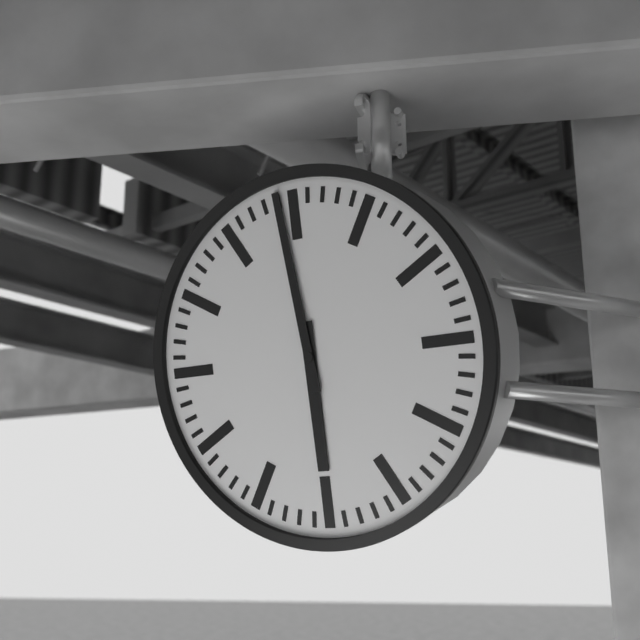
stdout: h=5 m=59
